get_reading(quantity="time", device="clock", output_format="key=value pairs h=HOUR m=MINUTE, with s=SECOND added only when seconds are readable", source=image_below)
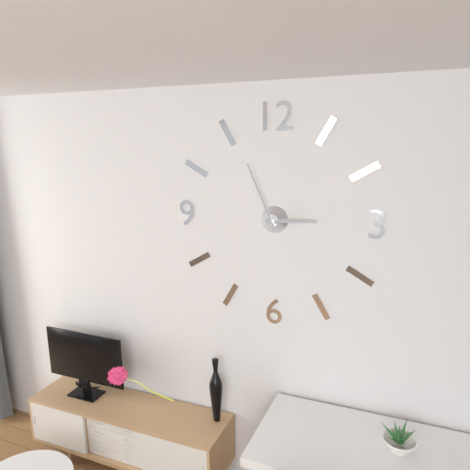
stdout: h=2 m=56
